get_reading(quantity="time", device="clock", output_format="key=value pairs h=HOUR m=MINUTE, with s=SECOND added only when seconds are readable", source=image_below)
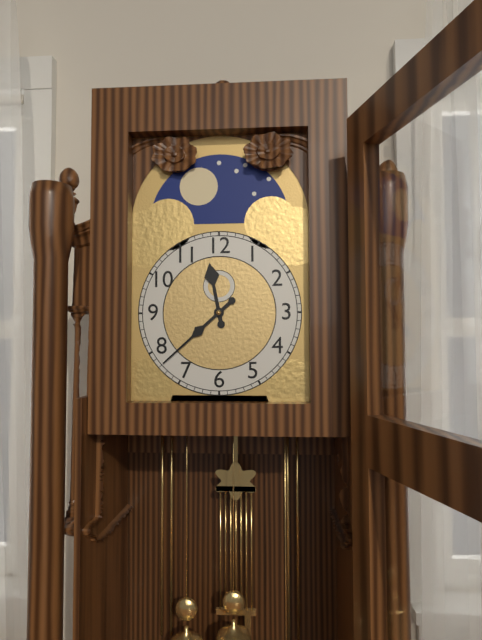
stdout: h=11 m=38
